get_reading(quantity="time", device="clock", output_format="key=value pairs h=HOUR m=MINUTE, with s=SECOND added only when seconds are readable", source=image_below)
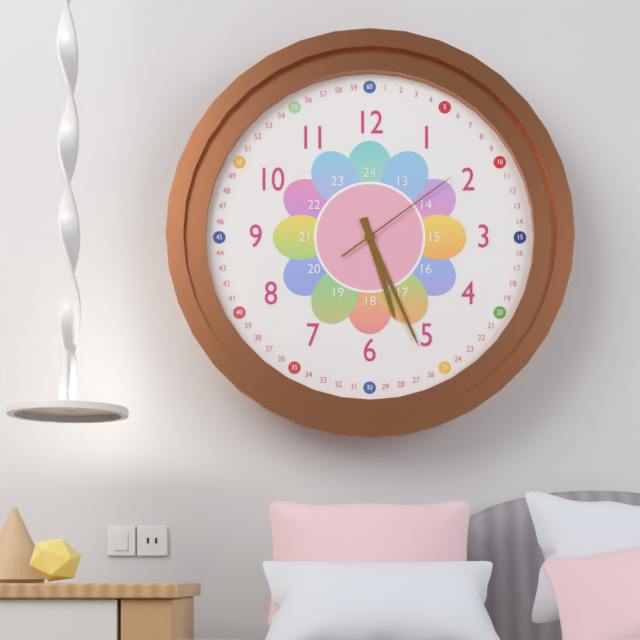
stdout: h=5 m=26 s=9
